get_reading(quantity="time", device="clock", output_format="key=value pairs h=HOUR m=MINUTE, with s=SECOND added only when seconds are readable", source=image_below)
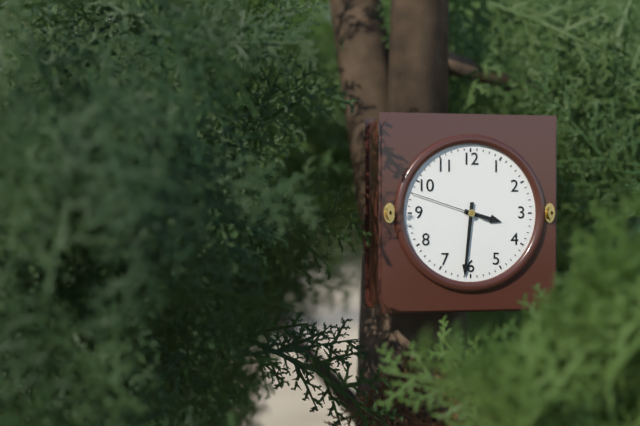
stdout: h=3 m=31 s=48
